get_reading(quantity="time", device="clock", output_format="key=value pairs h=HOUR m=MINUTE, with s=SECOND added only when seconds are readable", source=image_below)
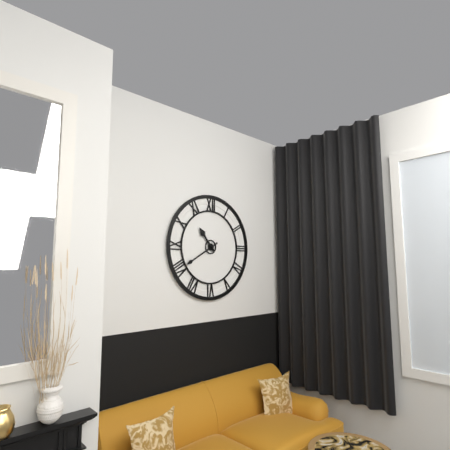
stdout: h=10 m=40
